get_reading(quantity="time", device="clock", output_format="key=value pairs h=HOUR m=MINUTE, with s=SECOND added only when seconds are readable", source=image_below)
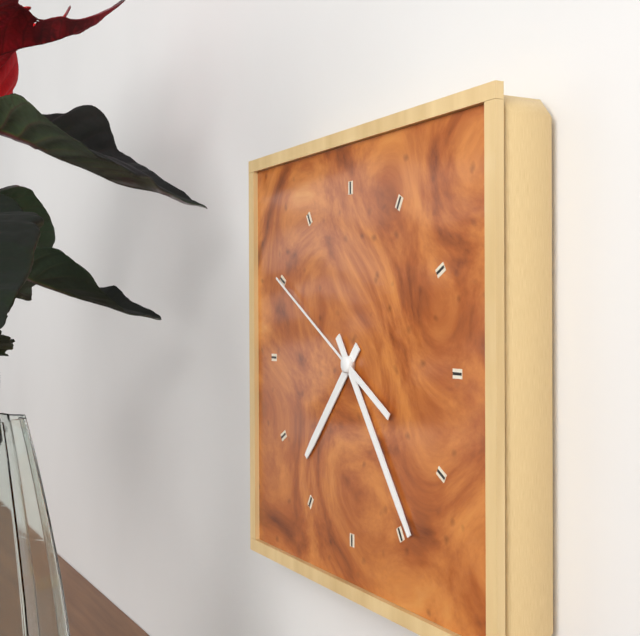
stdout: h=7 m=24 s=50
